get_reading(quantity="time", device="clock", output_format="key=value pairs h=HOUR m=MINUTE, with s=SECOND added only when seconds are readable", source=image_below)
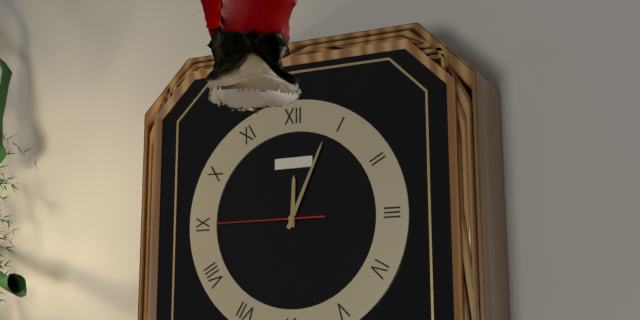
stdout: h=12 m=4 s=45
